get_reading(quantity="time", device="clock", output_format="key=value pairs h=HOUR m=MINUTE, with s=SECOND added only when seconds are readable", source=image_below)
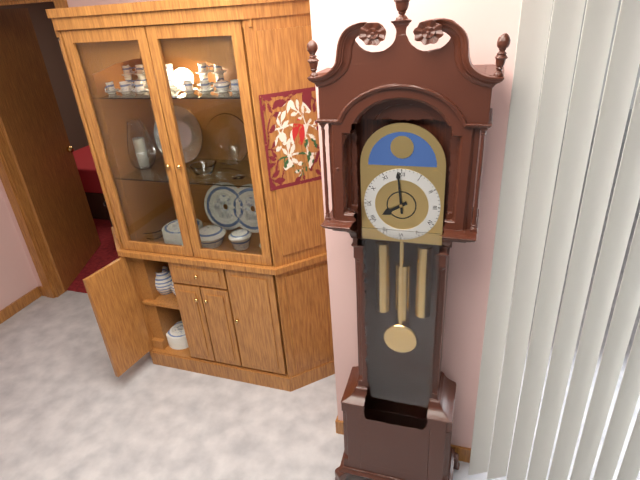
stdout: h=7 m=59
